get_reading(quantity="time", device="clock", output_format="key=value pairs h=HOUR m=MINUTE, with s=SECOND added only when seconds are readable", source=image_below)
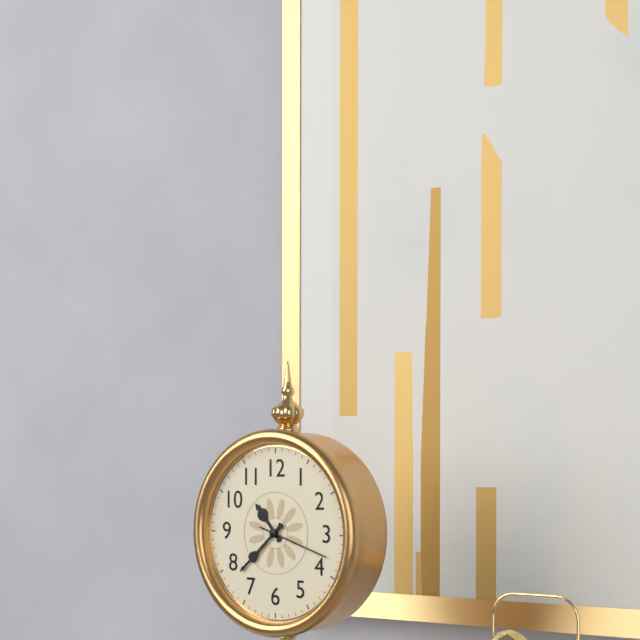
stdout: h=10 m=38 s=18
